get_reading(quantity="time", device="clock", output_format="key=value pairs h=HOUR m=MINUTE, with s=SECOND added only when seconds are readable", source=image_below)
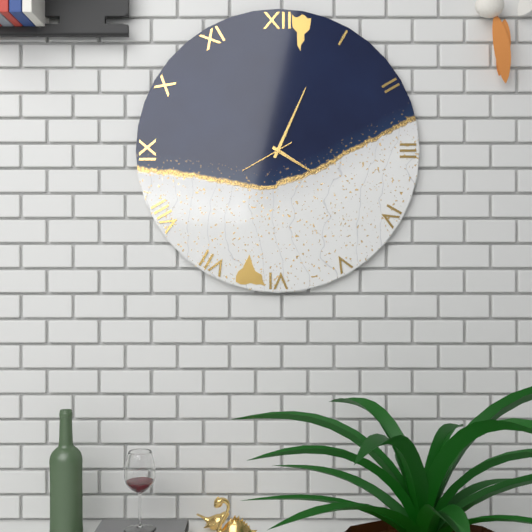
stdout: h=4 m=4 s=40
